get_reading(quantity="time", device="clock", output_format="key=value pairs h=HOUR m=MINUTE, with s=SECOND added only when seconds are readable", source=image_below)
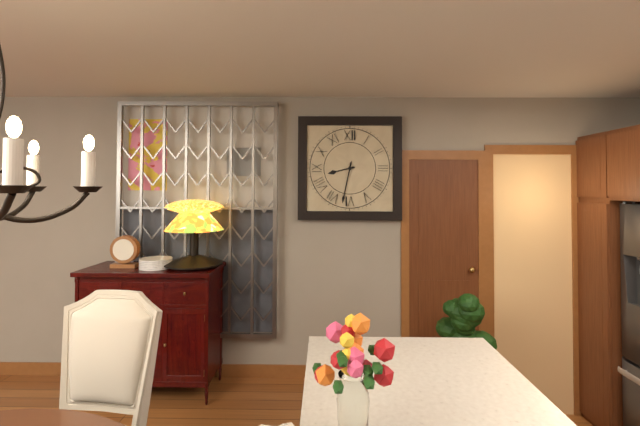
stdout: h=8 m=32
